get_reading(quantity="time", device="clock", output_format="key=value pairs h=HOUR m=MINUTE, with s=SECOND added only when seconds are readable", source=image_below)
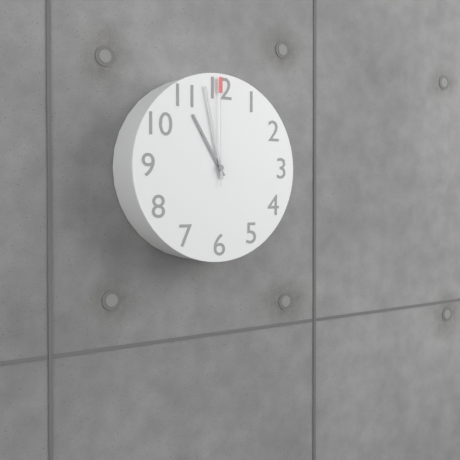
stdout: h=10 m=58 s=0
